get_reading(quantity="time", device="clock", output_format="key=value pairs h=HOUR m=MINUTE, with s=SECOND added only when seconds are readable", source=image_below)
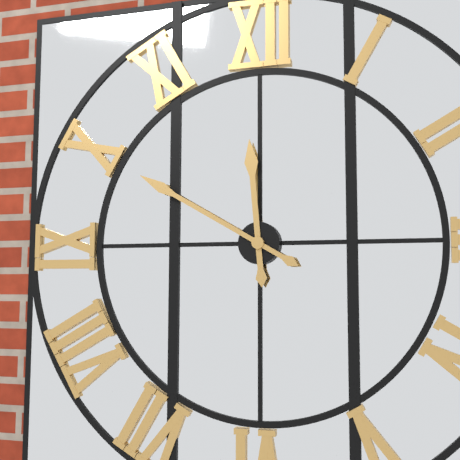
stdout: h=11 m=50
